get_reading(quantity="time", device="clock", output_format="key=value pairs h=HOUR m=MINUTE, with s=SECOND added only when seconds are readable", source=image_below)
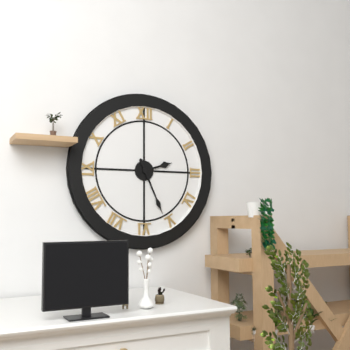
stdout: h=2 m=26
